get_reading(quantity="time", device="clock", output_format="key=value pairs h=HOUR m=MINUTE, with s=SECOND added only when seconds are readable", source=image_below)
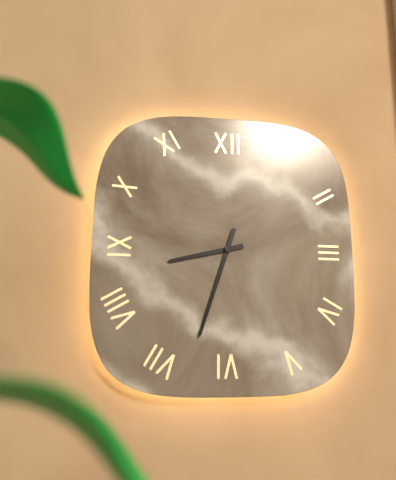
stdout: h=8 m=33
